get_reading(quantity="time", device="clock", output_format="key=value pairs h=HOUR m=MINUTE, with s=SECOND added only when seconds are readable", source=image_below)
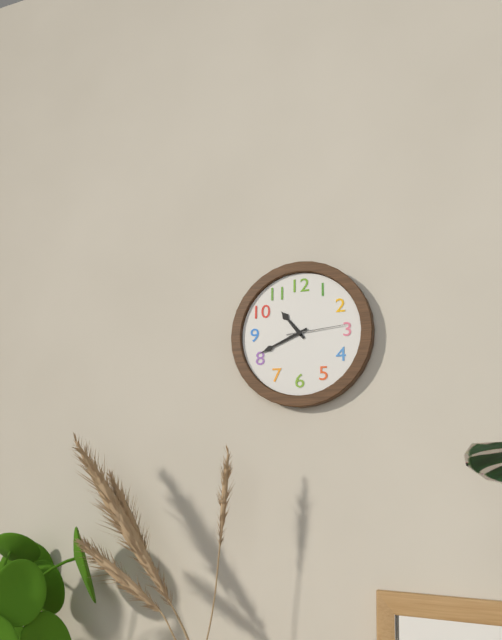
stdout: h=10 m=41 s=14
